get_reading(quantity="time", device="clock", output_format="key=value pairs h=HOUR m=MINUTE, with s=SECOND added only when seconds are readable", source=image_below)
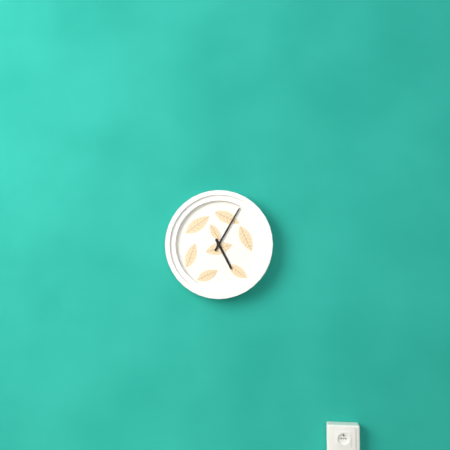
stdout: h=5 m=5
